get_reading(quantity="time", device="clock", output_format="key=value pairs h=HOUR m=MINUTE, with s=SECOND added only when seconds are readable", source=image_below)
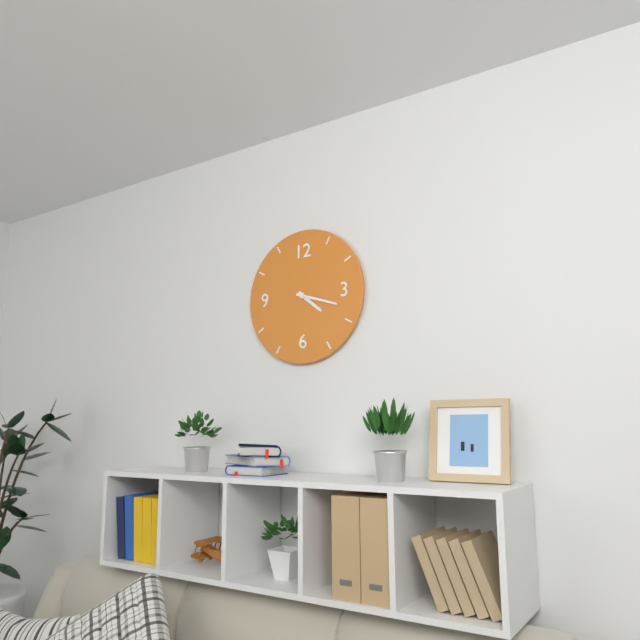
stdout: h=4 m=18
